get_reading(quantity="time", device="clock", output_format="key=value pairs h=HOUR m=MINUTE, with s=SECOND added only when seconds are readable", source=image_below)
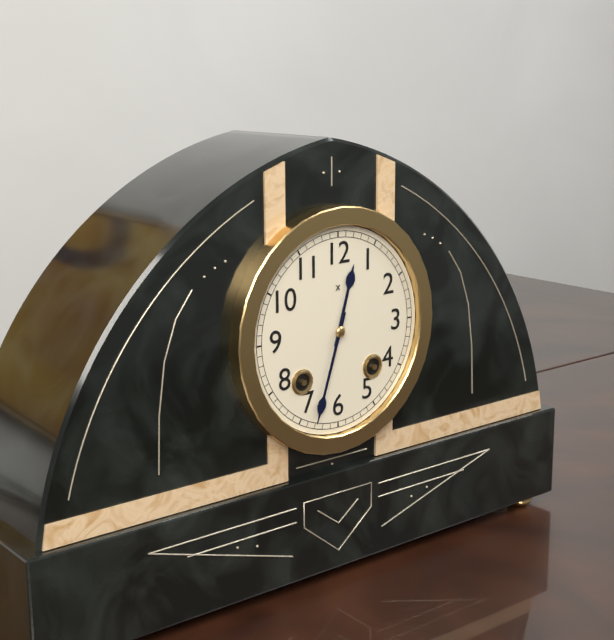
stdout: h=12 m=33
